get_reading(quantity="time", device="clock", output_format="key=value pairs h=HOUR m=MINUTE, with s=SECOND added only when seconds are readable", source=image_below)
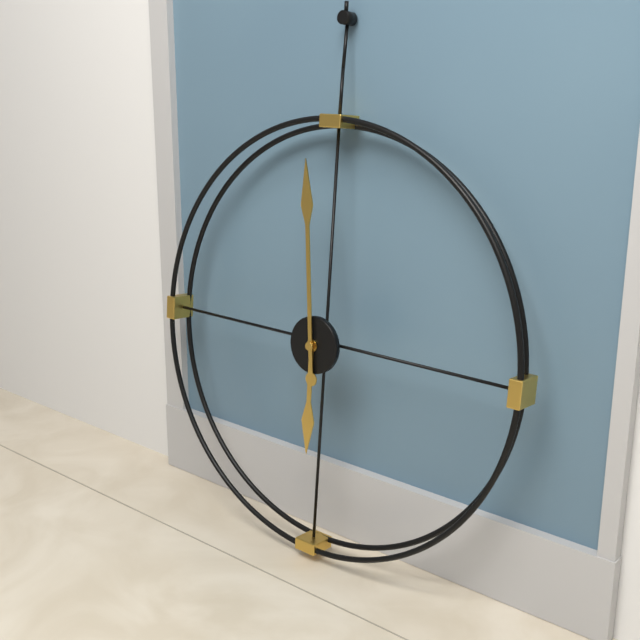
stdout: h=5 m=59
